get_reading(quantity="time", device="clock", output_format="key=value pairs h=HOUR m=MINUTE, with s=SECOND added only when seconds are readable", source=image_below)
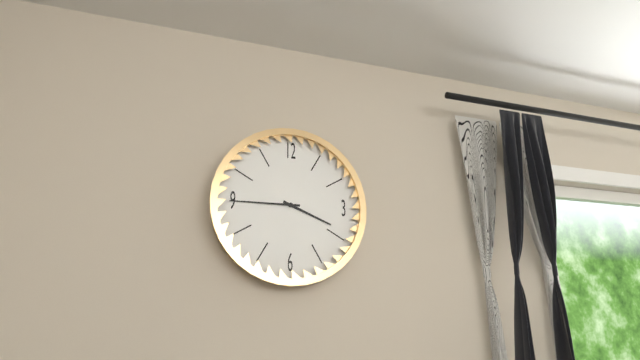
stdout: h=3 m=45
